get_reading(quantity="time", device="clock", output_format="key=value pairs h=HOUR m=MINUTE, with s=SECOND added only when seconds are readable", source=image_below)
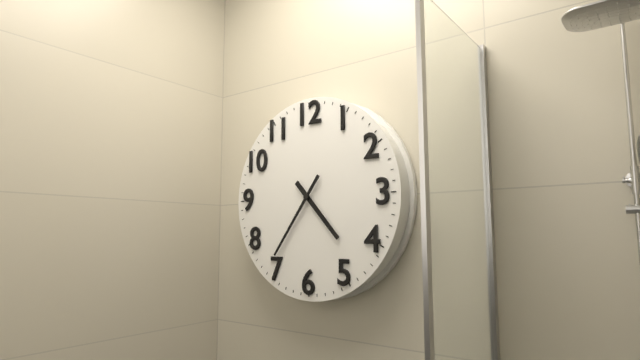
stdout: h=4 m=36
